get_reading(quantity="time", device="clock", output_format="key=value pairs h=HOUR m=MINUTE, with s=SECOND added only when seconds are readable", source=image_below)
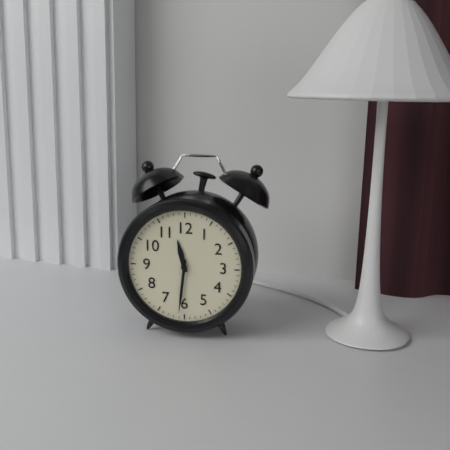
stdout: h=11 m=31
